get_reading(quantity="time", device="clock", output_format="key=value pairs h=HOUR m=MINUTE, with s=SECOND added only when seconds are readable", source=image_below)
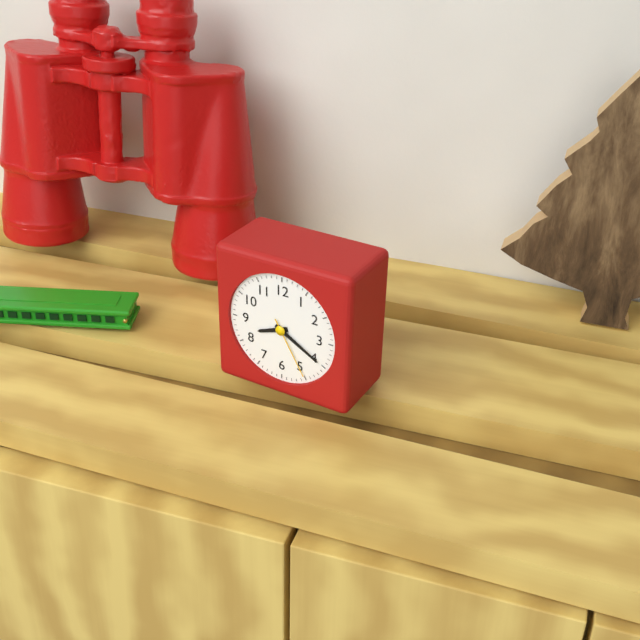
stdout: h=8 m=20 s=25
